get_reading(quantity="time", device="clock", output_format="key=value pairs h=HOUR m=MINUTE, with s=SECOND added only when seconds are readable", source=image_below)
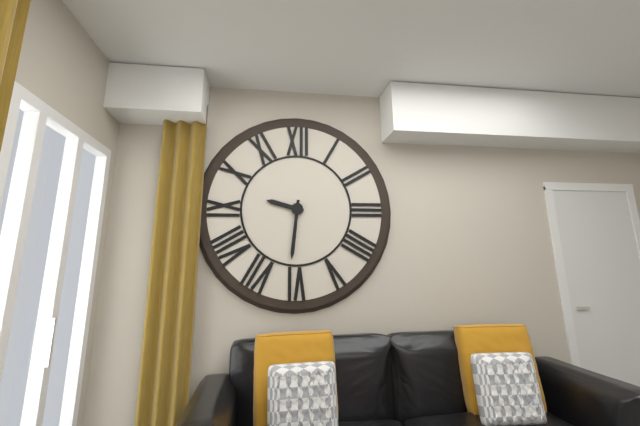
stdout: h=9 m=31
